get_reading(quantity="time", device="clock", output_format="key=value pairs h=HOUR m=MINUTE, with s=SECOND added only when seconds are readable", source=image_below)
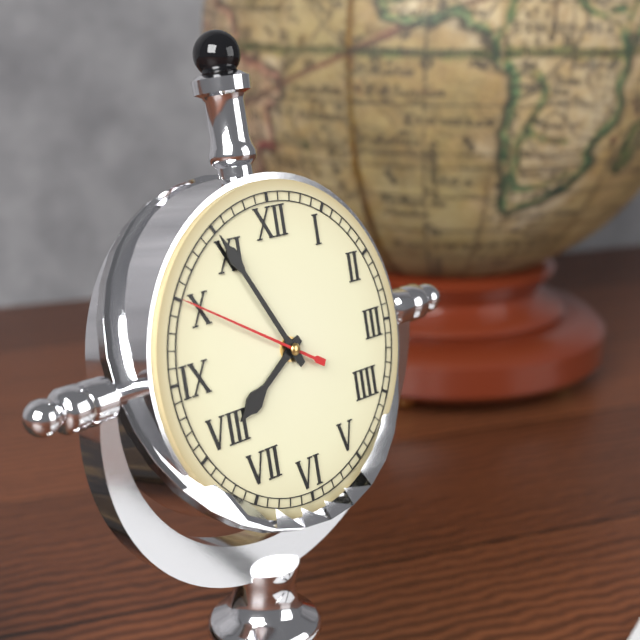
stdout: h=7 m=55 s=50
